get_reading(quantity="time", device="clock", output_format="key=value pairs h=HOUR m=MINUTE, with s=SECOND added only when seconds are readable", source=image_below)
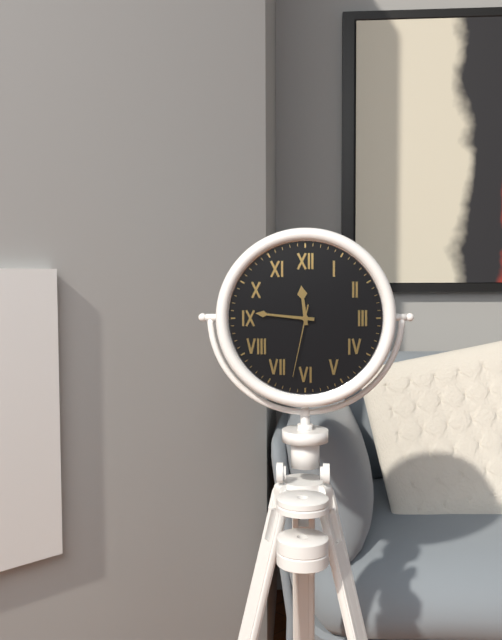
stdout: h=11 m=46 s=32
